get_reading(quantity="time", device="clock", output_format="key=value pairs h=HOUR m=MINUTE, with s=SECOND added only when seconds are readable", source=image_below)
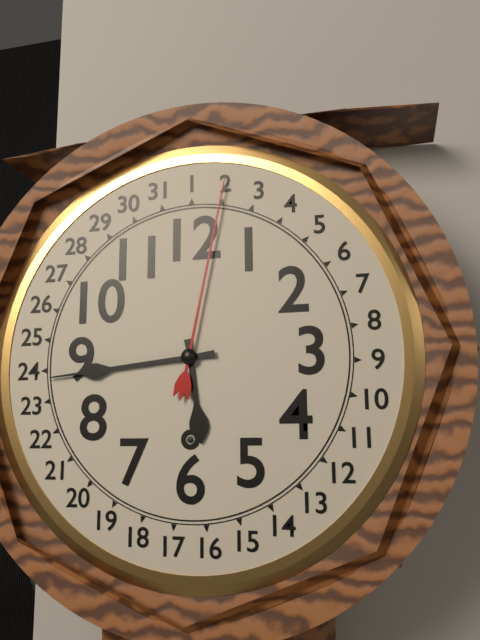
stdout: h=5 m=44
